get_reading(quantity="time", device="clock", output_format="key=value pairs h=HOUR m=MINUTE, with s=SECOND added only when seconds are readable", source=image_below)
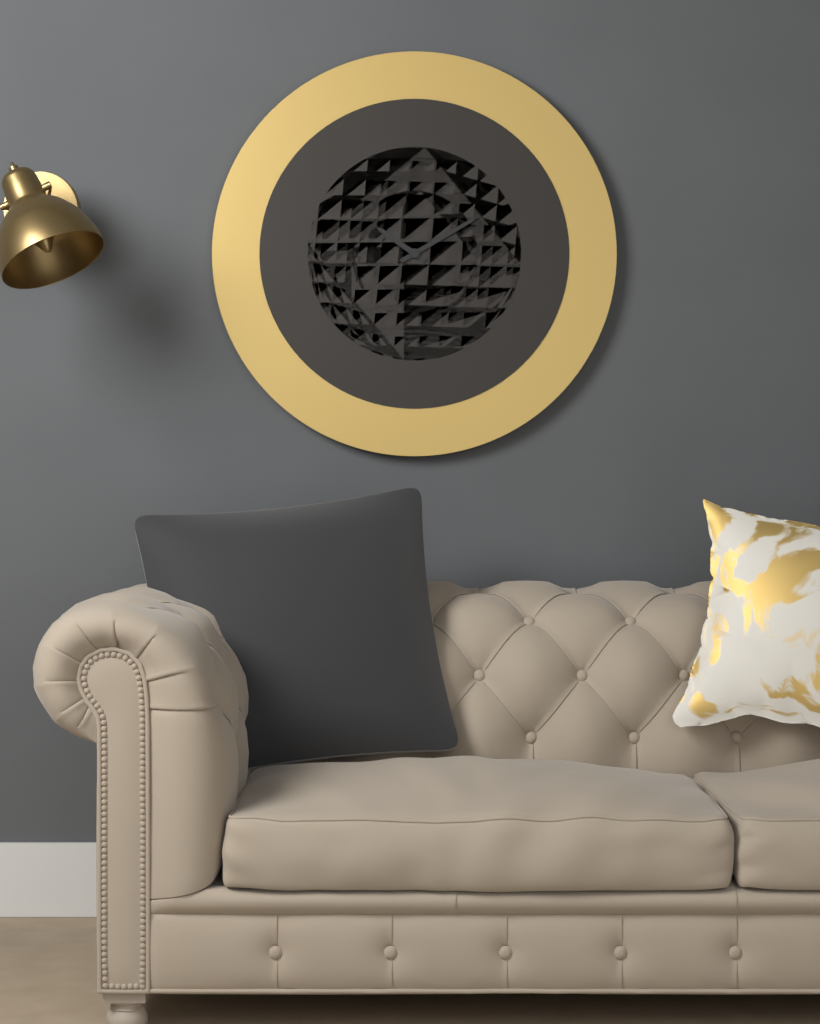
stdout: h=10 m=10
